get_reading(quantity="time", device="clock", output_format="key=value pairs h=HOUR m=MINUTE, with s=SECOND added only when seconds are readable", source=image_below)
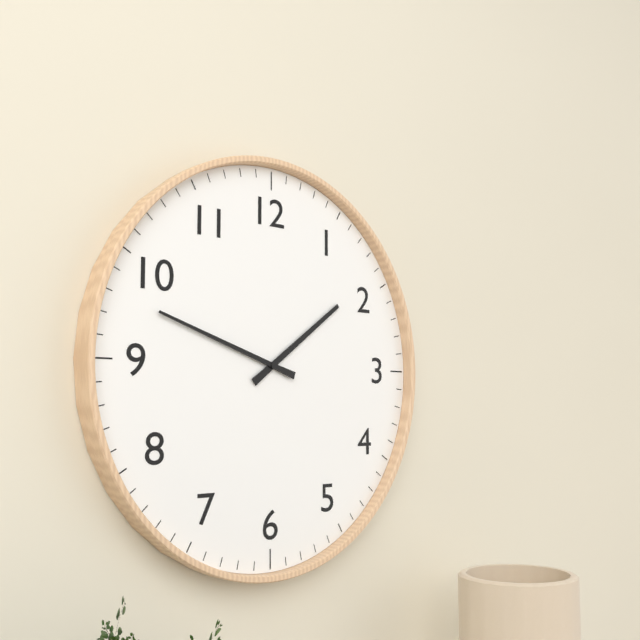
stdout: h=1 m=48
